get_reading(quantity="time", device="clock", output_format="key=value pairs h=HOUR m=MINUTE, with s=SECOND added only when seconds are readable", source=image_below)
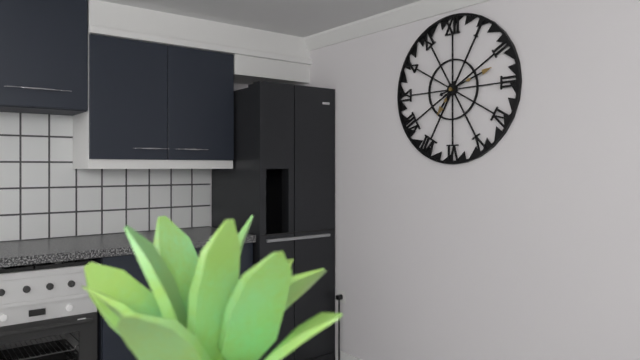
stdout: h=7 m=12
